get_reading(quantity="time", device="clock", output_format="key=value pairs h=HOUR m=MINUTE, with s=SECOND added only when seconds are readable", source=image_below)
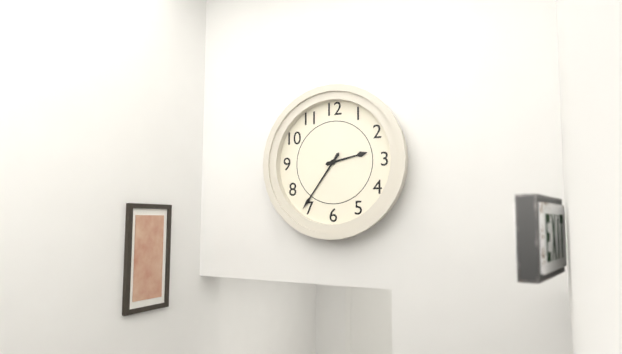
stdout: h=2 m=36
